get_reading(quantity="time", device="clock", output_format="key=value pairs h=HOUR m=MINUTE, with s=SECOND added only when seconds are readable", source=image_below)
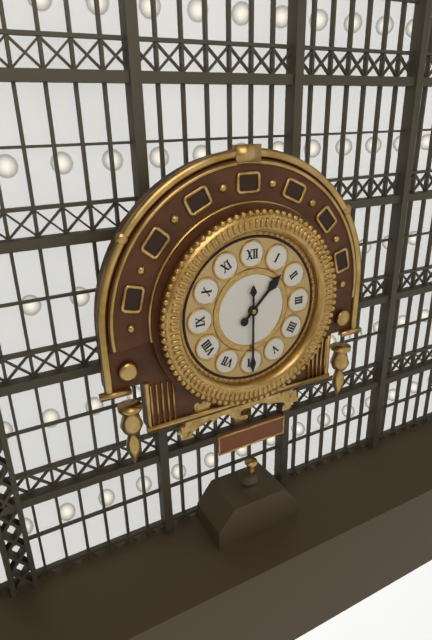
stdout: h=1 m=30
